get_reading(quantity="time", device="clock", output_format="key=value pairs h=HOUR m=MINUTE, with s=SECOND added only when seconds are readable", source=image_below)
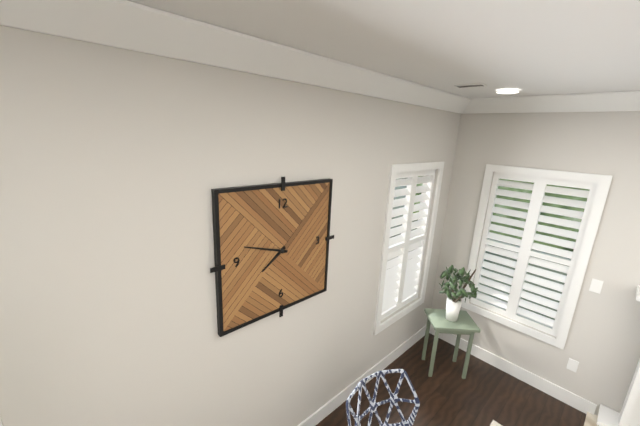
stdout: h=7 m=48
